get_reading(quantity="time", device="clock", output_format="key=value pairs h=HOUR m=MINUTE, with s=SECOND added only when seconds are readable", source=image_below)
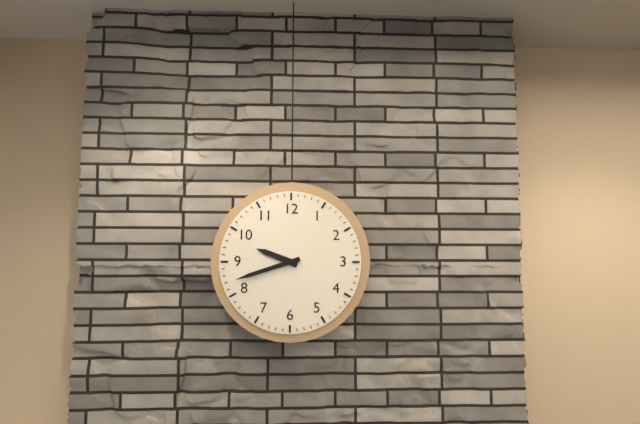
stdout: h=9 m=42
